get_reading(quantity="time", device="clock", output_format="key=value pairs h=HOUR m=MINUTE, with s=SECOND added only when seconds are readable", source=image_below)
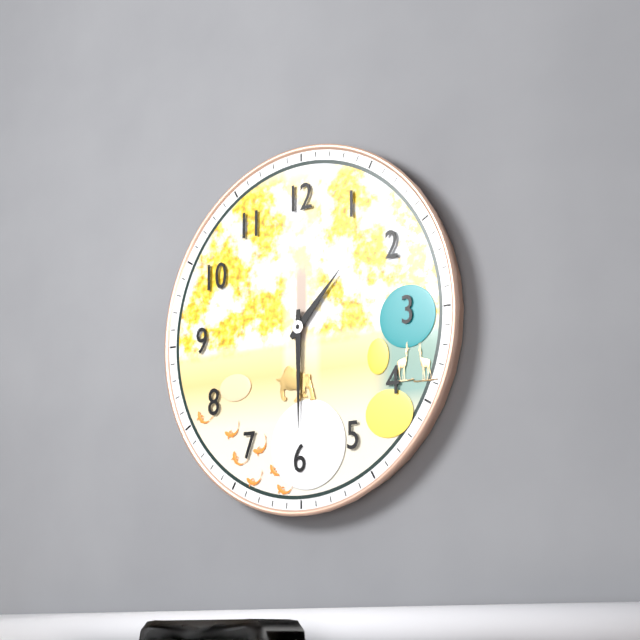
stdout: h=1 m=30
